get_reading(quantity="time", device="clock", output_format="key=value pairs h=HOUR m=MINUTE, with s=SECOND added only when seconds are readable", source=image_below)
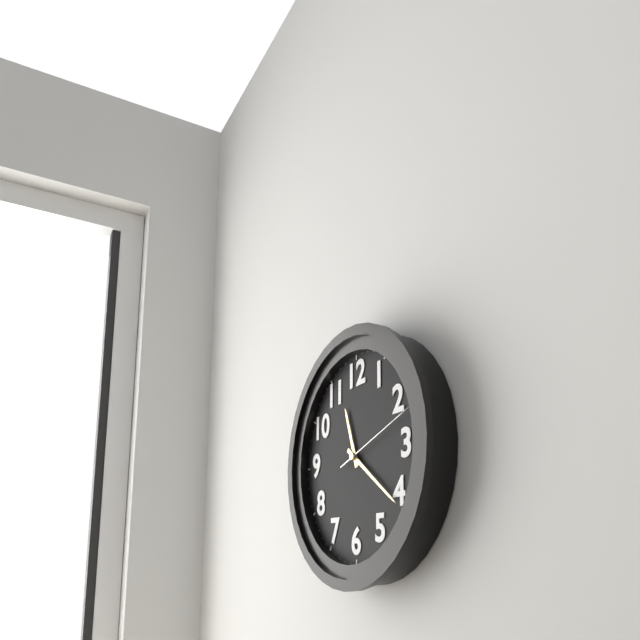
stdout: h=11 m=21 s=12
